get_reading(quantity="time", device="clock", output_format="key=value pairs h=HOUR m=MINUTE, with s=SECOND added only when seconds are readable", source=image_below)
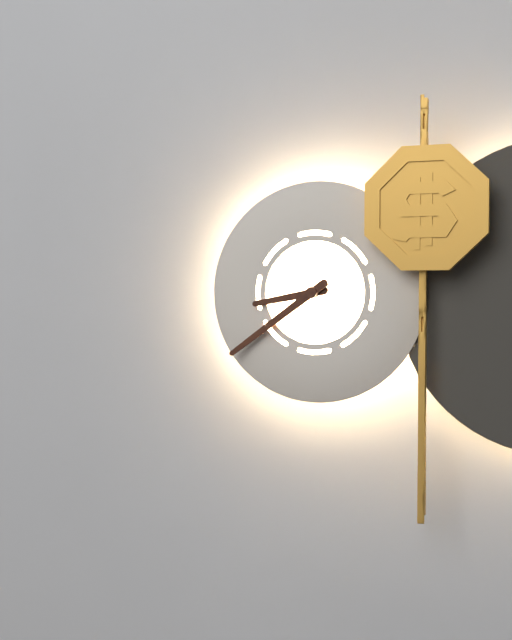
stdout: h=8 m=39
